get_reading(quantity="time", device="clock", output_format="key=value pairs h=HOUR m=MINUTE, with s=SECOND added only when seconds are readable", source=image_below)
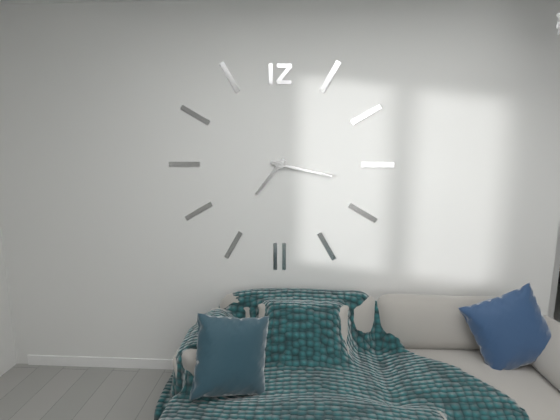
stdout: h=7 m=17
